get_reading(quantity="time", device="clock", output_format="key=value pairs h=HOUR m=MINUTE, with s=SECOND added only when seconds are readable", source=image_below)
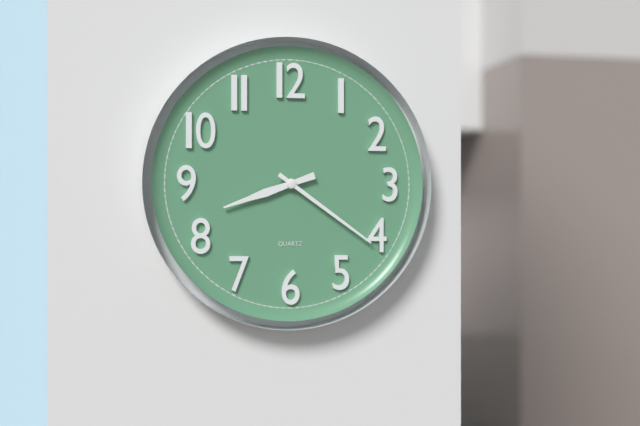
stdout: h=8 m=21
